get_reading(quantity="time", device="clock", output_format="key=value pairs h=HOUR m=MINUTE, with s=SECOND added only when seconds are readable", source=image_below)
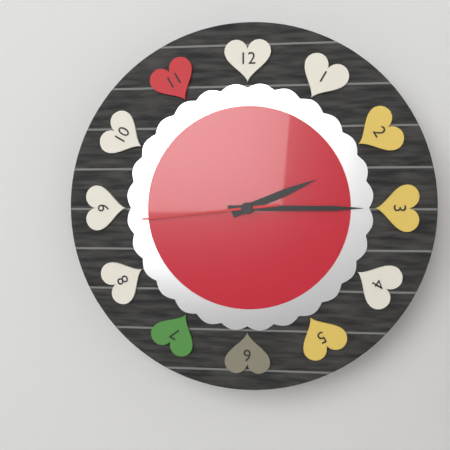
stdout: h=2 m=15 s=44
